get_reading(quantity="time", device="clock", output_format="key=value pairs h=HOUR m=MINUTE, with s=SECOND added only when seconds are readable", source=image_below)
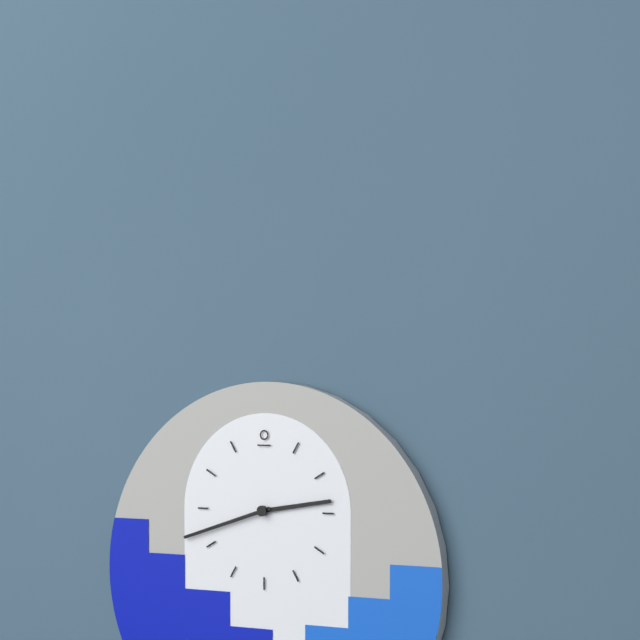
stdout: h=2 m=42
